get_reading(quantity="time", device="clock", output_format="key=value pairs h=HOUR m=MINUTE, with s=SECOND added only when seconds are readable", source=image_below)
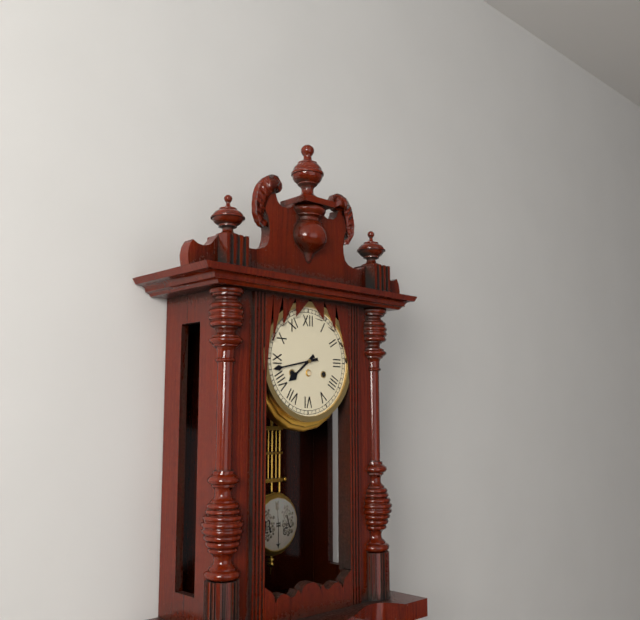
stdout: h=7 m=43
